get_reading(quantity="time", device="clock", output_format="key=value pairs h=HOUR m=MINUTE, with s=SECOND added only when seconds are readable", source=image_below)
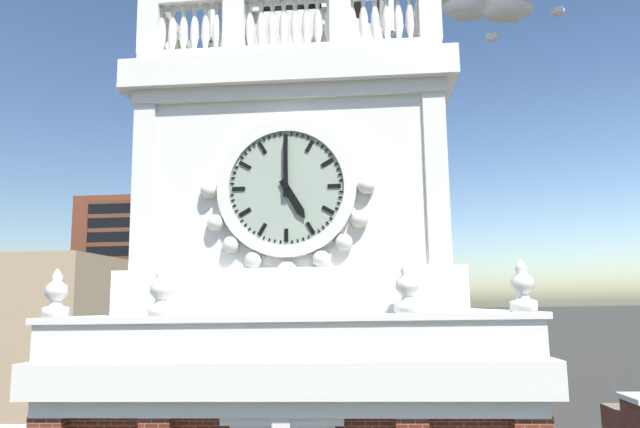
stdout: h=5 m=0
